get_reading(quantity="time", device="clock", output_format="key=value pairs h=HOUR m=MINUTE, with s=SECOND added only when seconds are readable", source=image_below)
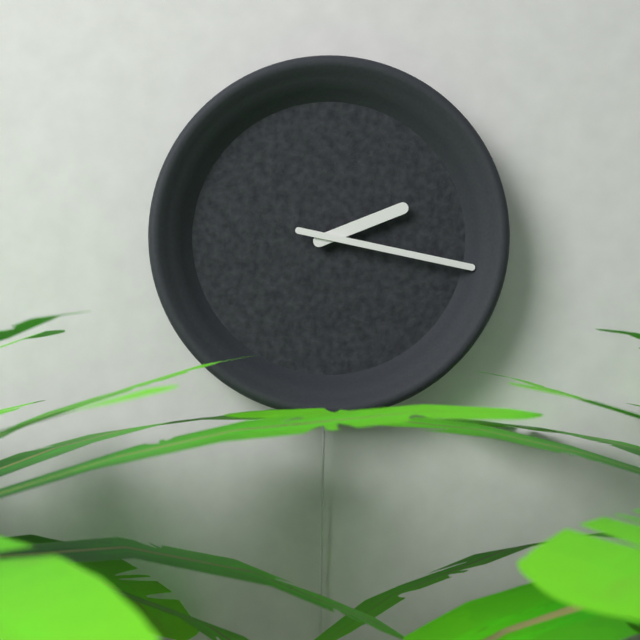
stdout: h=2 m=17
